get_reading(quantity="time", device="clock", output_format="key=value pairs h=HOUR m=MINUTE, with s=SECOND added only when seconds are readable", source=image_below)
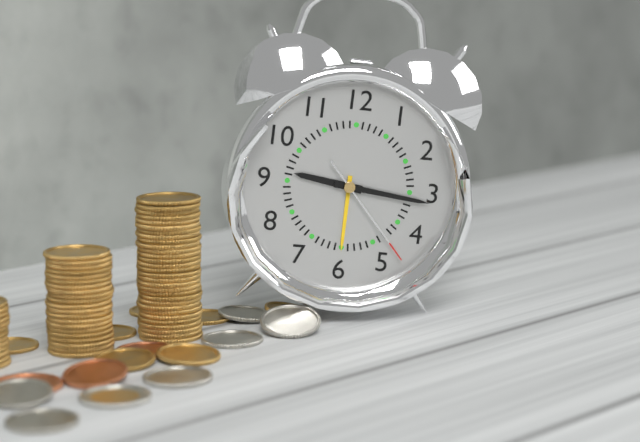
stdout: h=9 m=16 s=23
